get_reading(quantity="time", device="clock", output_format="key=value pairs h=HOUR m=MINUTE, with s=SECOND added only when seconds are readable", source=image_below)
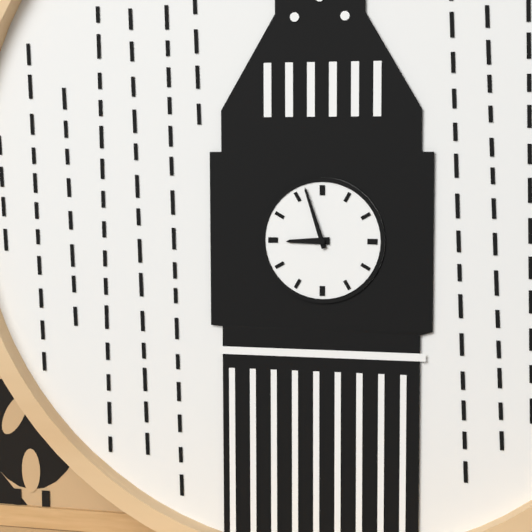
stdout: h=8 m=57
